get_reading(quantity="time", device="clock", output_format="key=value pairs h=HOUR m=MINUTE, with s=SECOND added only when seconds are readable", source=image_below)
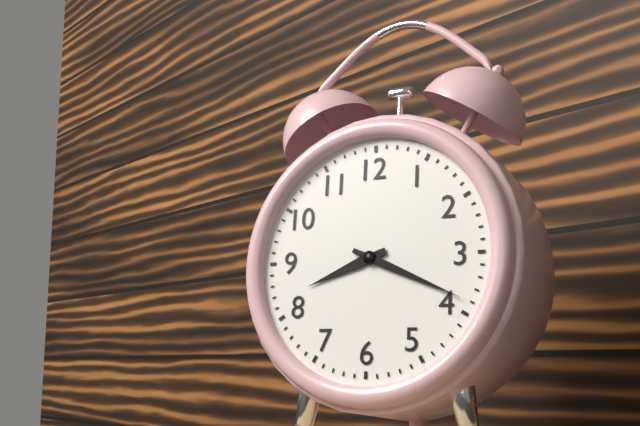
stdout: h=8 m=19
